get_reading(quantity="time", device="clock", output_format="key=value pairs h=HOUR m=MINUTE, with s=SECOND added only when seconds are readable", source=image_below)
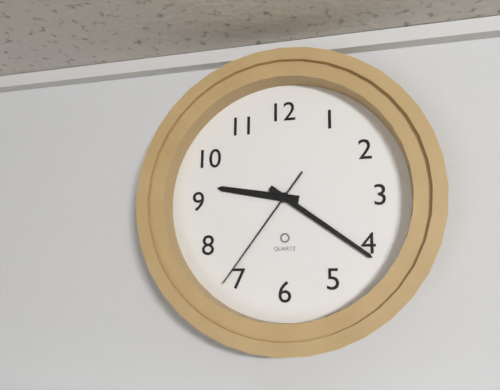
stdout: h=9 m=21 s=36
